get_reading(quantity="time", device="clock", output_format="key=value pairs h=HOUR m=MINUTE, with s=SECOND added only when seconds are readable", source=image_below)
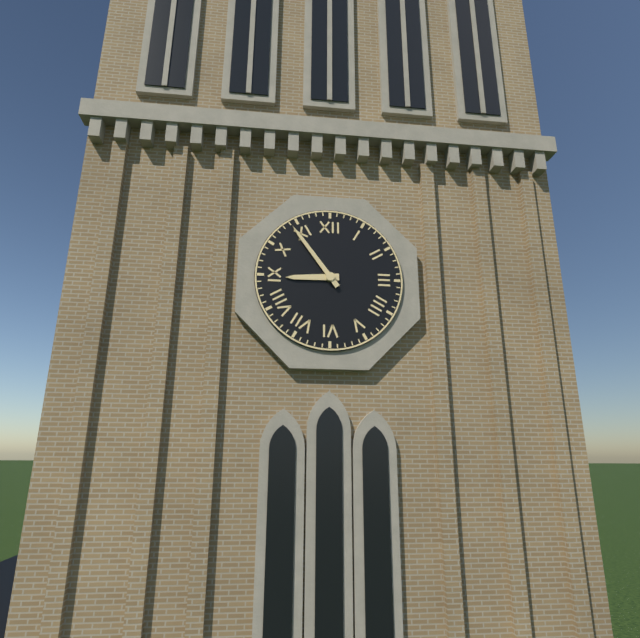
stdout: h=8 m=54
